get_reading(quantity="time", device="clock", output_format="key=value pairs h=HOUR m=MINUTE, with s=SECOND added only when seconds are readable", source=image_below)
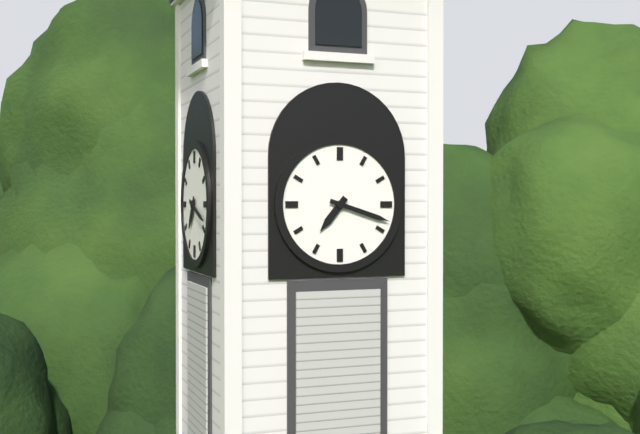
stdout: h=7 m=18
